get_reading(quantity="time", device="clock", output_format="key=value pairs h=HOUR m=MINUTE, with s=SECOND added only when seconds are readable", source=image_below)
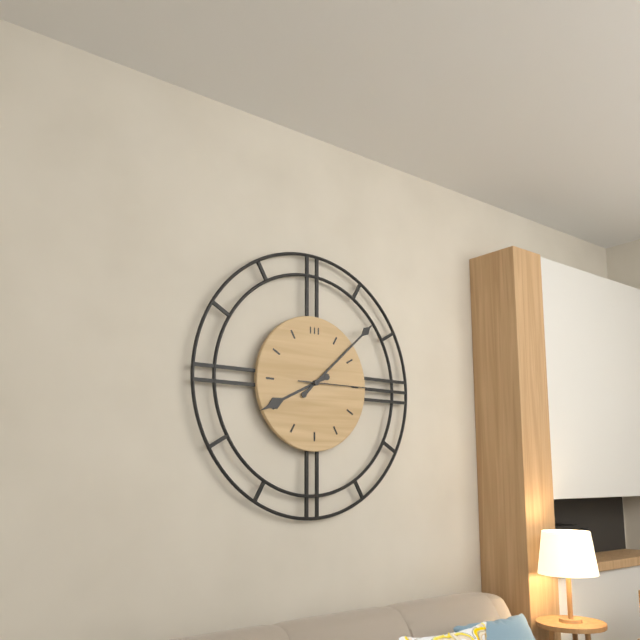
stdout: h=8 m=8 s=15
